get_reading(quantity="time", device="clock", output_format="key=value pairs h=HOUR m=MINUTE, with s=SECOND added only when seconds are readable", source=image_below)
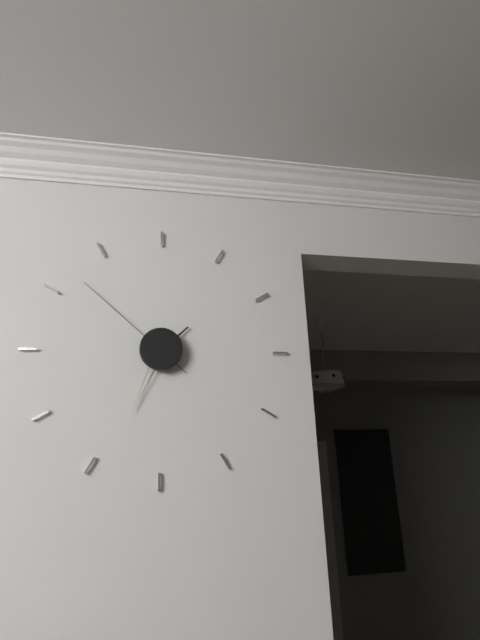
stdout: h=1 m=34 s=52
